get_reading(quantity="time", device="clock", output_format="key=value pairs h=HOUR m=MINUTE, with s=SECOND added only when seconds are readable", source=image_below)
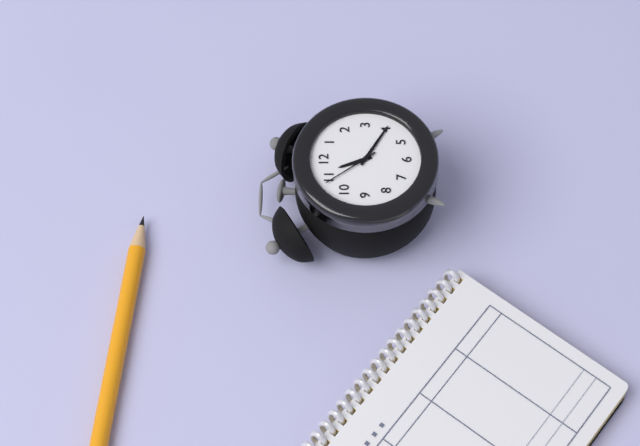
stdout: h=11 m=20 s=54
